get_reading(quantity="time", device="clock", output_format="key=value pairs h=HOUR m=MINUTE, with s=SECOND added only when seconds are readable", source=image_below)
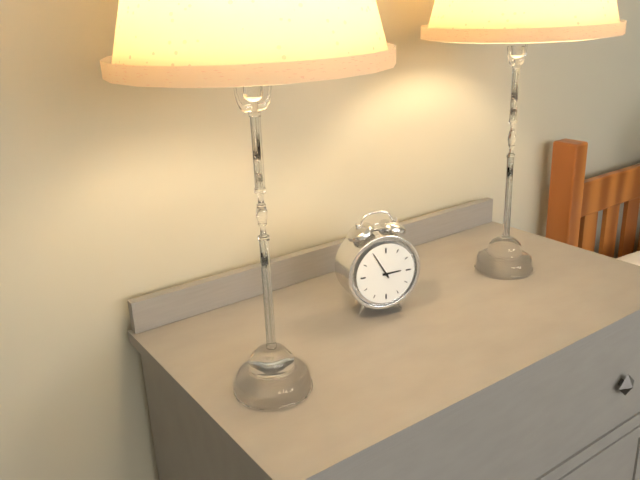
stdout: h=2 m=55
